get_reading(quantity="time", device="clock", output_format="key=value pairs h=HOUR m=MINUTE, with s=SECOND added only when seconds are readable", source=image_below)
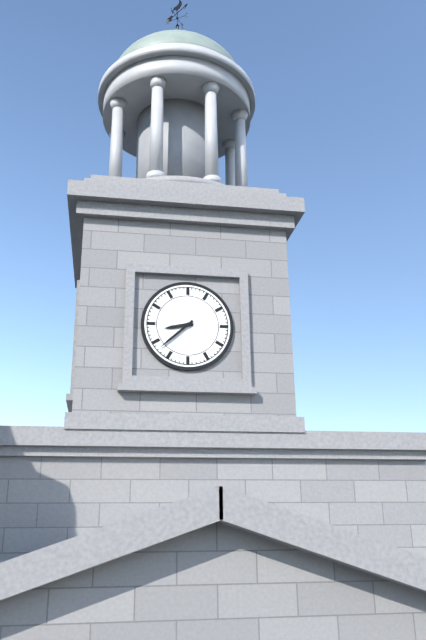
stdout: h=8 m=38
